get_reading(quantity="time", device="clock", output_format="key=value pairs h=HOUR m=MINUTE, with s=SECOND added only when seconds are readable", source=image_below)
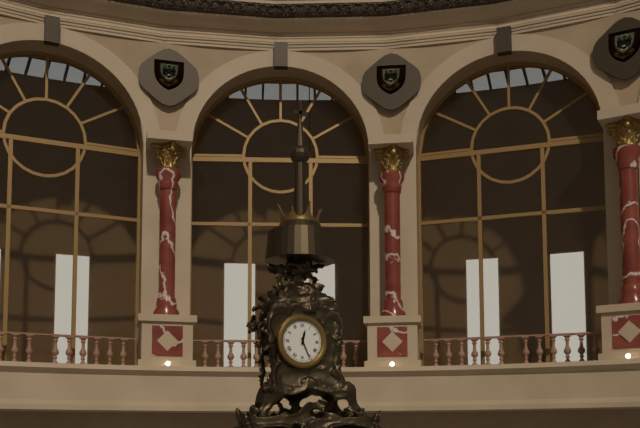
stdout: h=12 m=26
